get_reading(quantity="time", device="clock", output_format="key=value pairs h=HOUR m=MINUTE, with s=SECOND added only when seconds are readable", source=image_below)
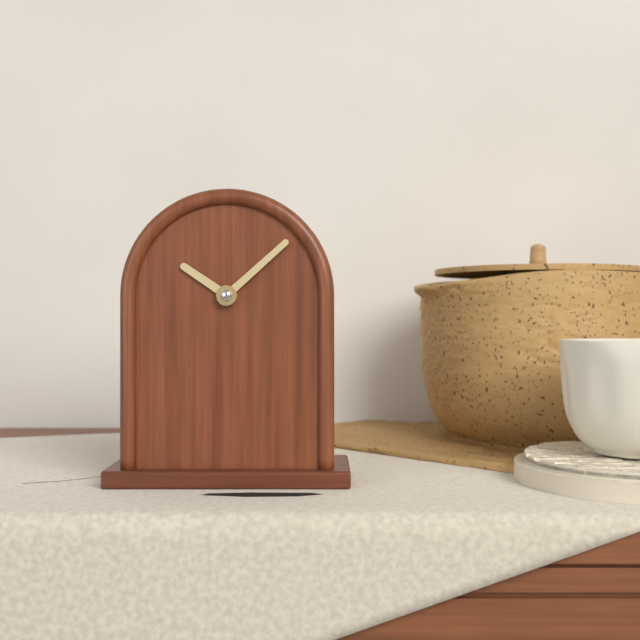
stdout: h=10 m=8
